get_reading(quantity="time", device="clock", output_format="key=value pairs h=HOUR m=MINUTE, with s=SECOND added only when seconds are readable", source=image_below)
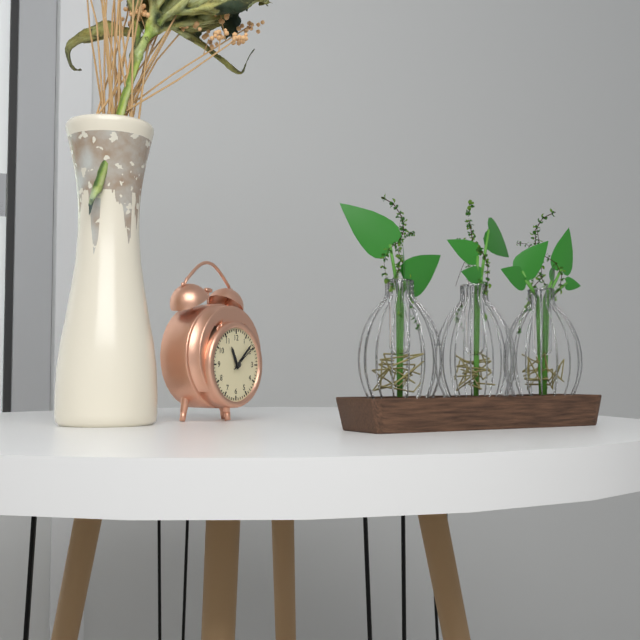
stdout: h=11 m=8
